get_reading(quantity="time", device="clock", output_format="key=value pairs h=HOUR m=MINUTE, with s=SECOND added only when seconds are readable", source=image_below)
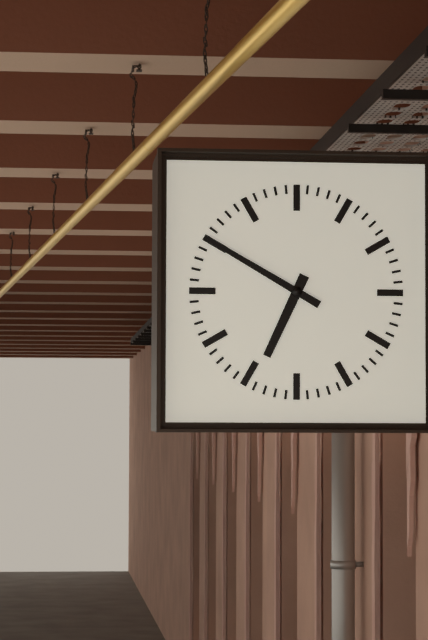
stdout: h=6 m=50
